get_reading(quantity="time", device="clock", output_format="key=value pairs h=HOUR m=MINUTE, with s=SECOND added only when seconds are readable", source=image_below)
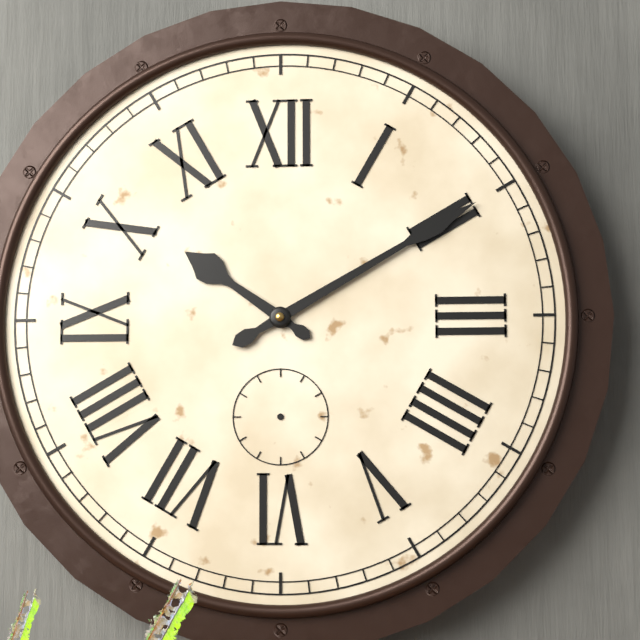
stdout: h=10 m=10
